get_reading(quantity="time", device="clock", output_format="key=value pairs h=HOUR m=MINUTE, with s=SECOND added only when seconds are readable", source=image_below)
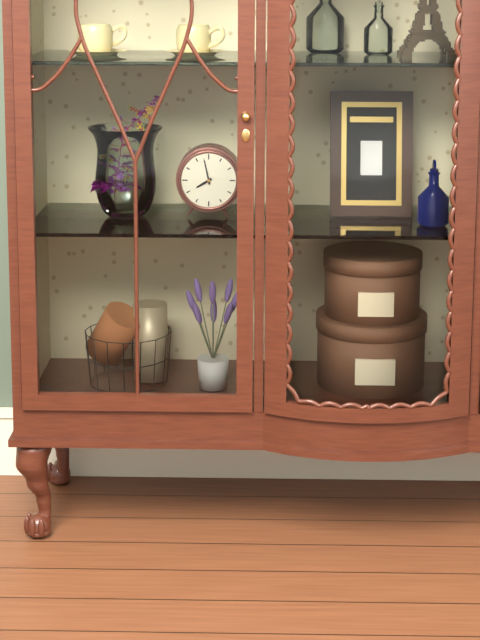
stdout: h=7 m=58
